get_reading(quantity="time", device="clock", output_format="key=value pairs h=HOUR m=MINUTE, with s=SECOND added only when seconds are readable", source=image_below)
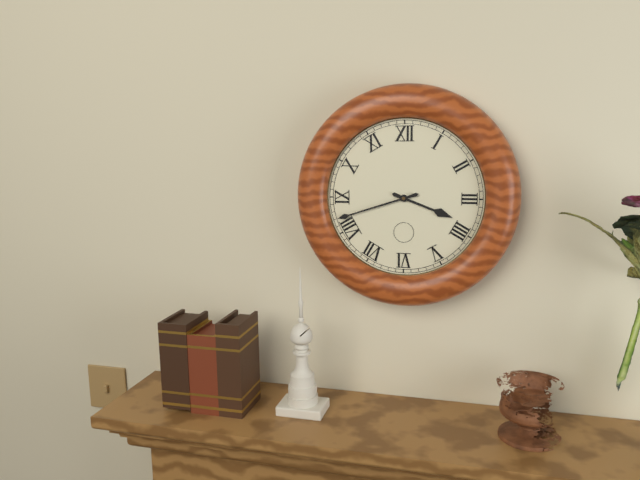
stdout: h=3 m=42
